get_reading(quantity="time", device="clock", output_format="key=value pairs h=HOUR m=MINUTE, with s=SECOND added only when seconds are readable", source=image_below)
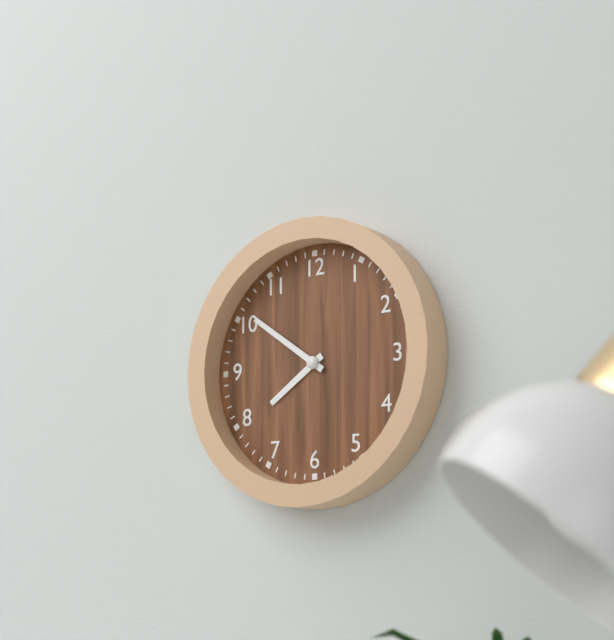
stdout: h=7 m=51
